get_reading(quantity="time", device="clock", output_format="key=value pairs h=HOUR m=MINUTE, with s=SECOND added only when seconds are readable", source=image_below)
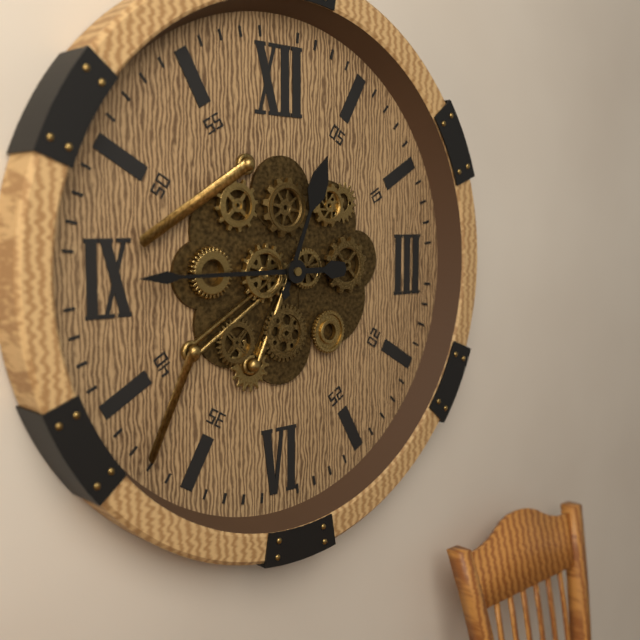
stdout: h=12 m=45
